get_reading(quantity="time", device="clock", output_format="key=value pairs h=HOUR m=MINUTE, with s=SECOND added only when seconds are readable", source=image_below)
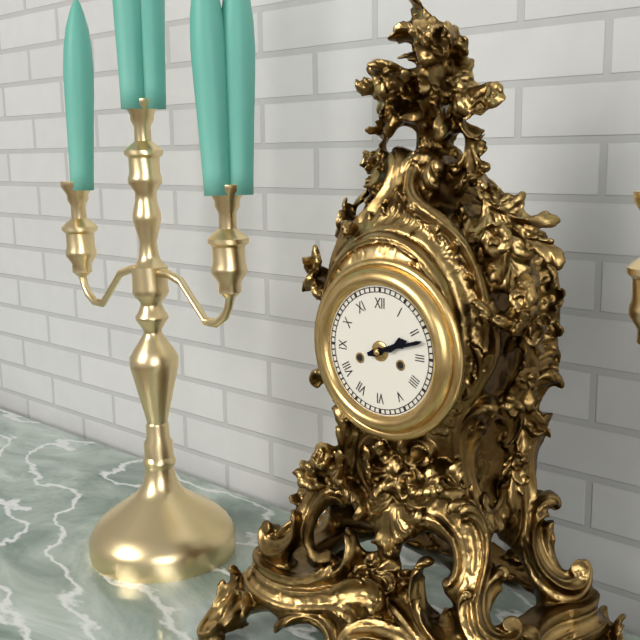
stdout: h=2 m=12
